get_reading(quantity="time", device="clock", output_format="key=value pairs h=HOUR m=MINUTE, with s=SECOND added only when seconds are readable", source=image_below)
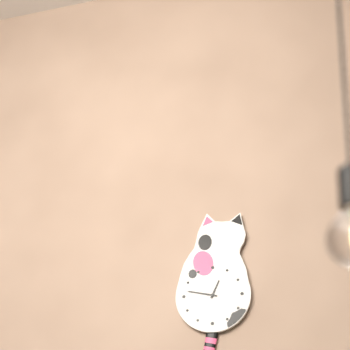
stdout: h=12 m=47
